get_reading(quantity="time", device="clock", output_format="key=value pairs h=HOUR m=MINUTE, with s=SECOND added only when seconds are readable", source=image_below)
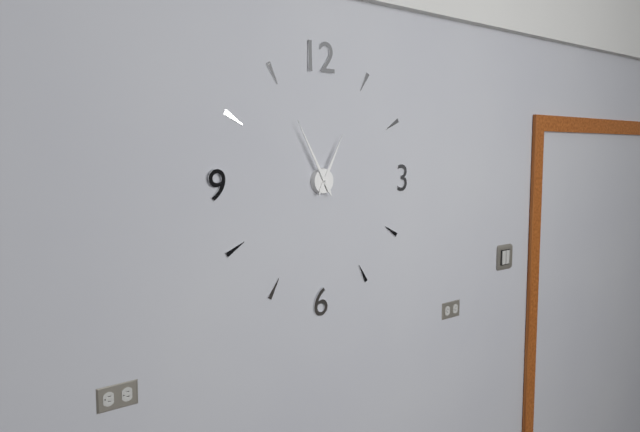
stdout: h=12 m=55
